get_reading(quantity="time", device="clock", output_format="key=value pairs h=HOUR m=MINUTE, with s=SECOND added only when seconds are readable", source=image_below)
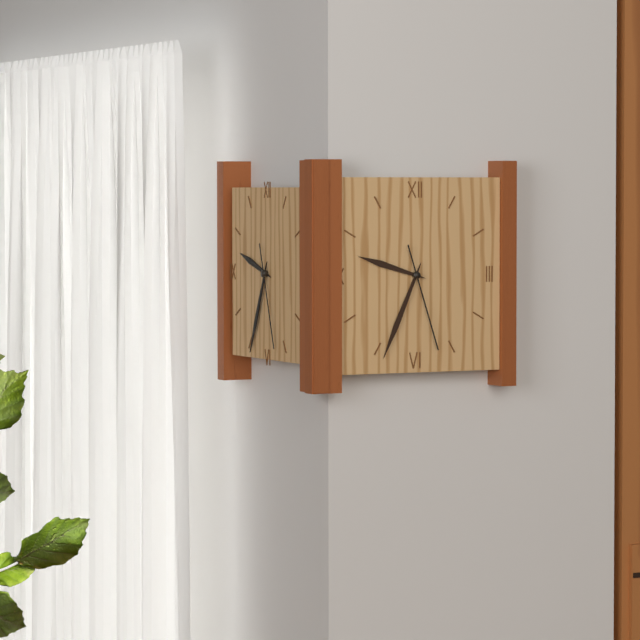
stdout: h=9 m=34 s=27
